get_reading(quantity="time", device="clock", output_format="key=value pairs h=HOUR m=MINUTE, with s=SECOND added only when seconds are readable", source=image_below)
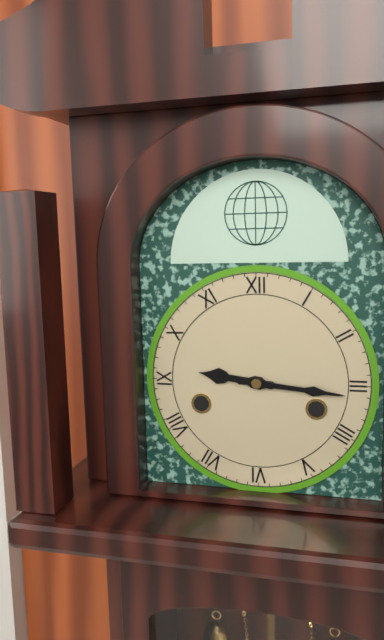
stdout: h=9 m=16
